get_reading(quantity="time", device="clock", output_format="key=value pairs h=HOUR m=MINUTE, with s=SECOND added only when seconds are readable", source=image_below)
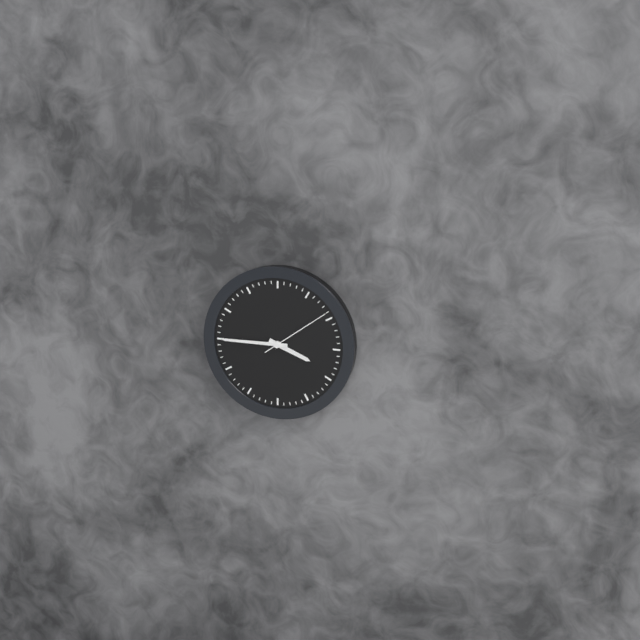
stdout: h=3 m=45 s=9
